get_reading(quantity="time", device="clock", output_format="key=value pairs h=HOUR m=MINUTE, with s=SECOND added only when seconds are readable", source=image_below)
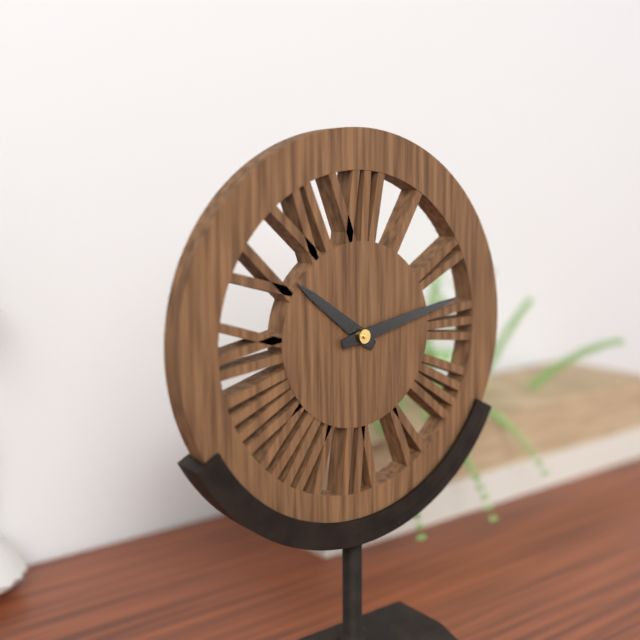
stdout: h=10 m=13
